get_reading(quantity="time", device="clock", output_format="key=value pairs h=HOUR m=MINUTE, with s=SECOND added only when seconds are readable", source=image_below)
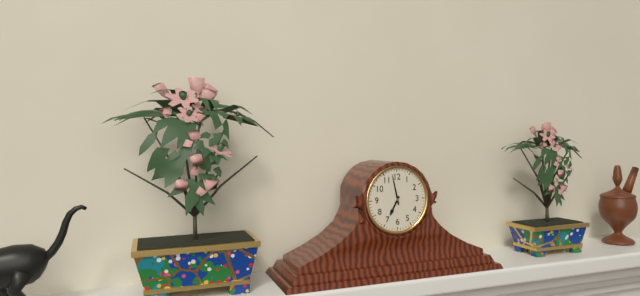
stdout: h=6 m=58
